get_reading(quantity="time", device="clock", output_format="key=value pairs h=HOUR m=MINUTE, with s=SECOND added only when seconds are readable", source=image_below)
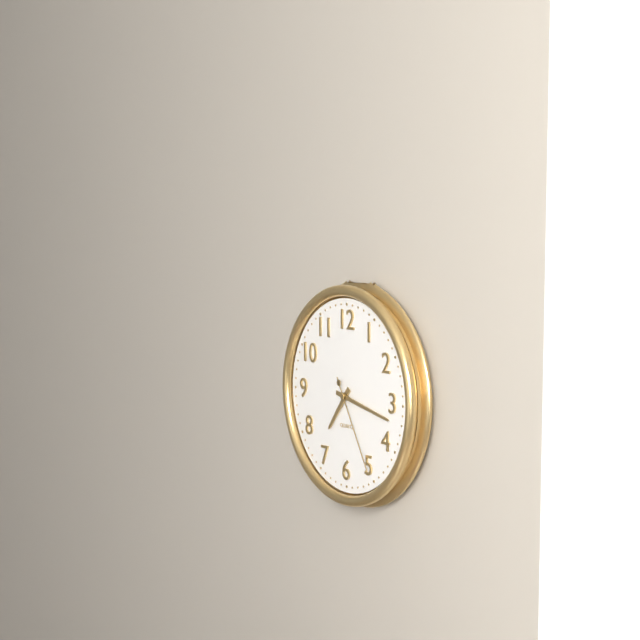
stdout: h=7 m=17 s=25
